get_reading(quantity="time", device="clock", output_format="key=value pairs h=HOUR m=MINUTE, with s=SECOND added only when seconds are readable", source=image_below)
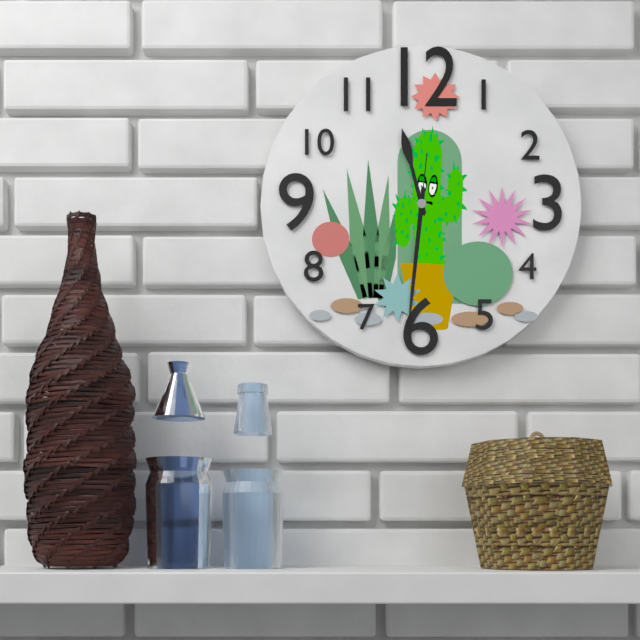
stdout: h=11 m=31 s=31
